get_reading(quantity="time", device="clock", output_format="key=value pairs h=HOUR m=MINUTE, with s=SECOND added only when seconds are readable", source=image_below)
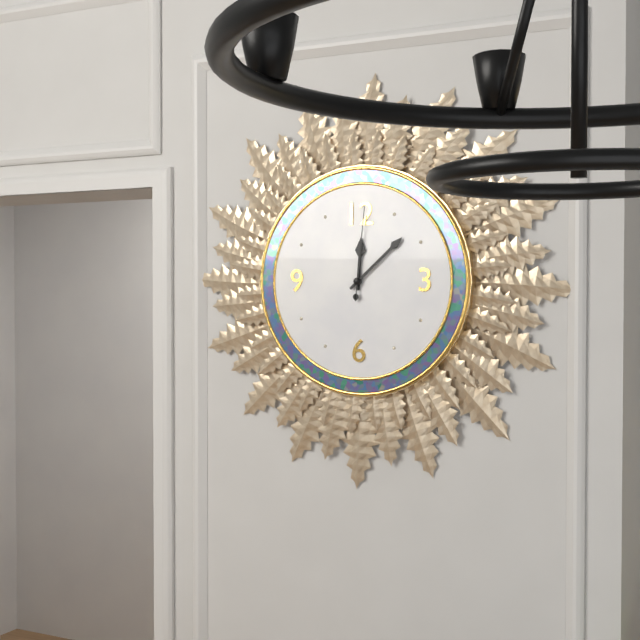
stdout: h=12 m=8 s=1
